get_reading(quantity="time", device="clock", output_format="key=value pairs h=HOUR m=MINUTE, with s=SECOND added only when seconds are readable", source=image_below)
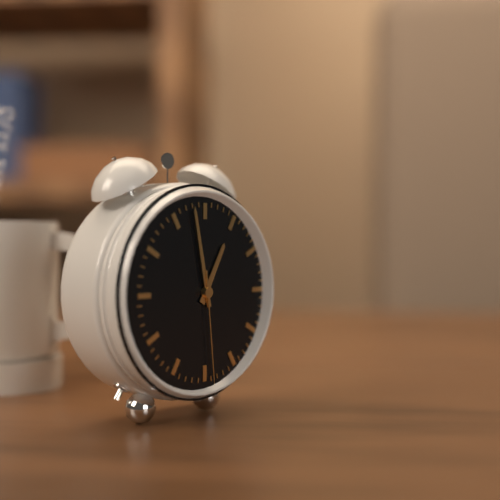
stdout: h=12 m=58 s=29
